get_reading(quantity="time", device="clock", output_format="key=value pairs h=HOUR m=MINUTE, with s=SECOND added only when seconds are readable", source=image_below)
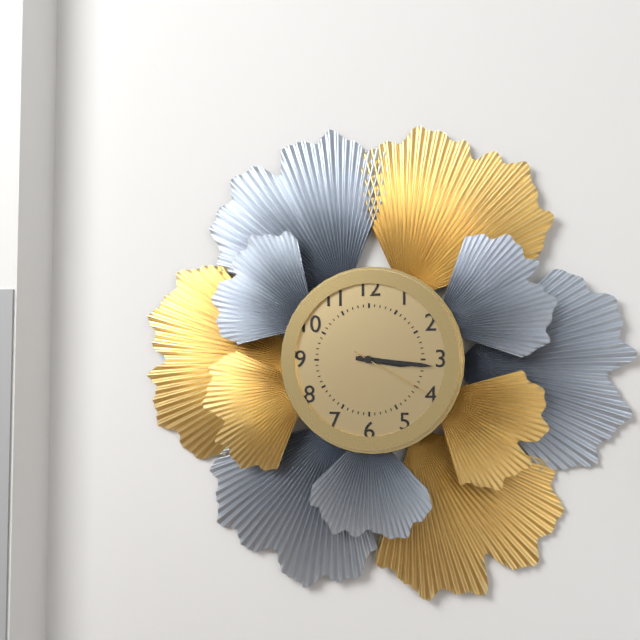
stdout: h=3 m=16 s=20
